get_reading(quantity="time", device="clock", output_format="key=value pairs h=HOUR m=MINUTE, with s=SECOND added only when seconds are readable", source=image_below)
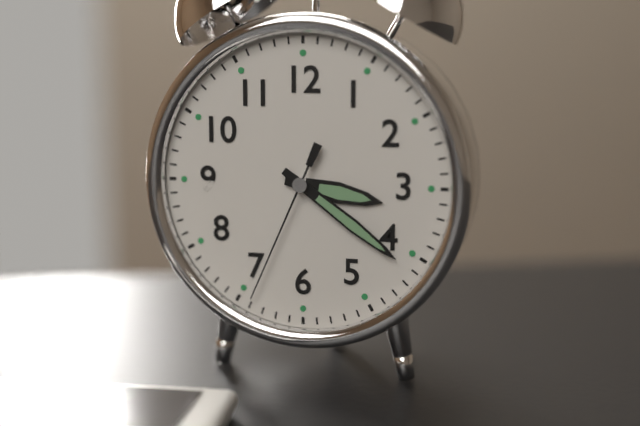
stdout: h=3 m=21 s=34
